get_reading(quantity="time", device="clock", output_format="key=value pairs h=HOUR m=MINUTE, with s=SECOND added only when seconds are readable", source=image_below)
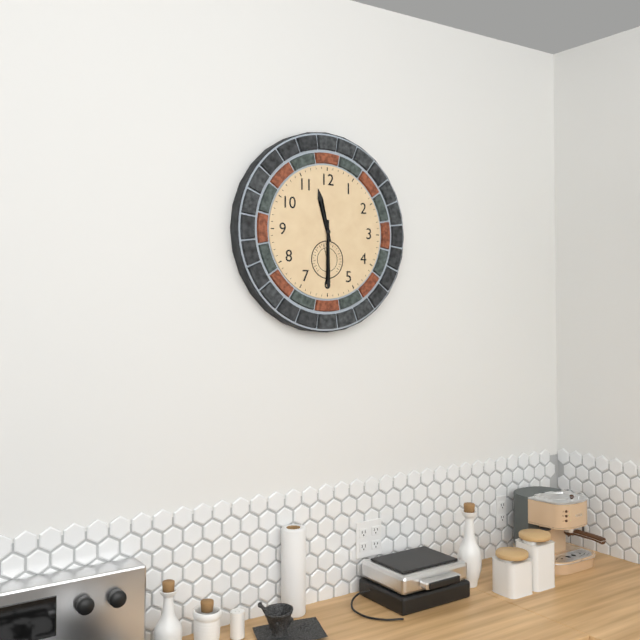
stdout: h=11 m=30
